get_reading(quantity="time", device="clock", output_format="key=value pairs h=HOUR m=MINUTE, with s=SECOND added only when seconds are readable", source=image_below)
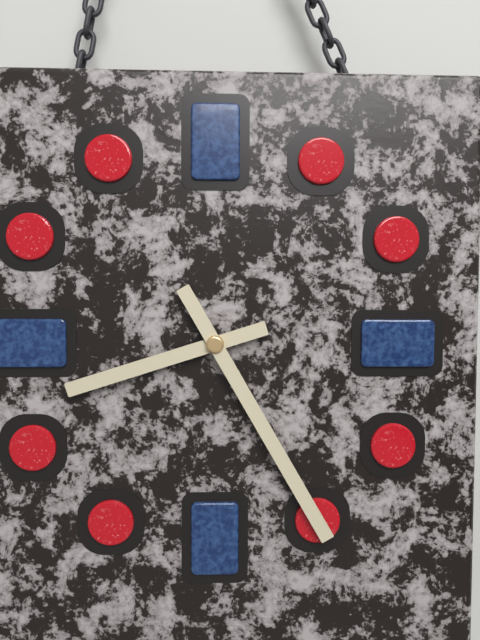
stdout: h=8 m=25
